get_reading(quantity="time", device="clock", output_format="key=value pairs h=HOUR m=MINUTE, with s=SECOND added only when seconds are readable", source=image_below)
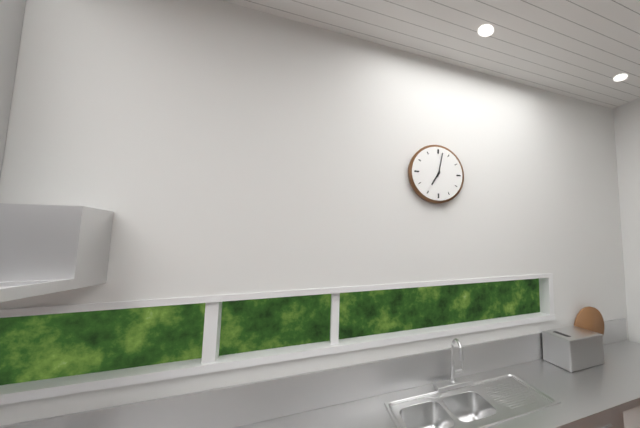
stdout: h=7 m=2
